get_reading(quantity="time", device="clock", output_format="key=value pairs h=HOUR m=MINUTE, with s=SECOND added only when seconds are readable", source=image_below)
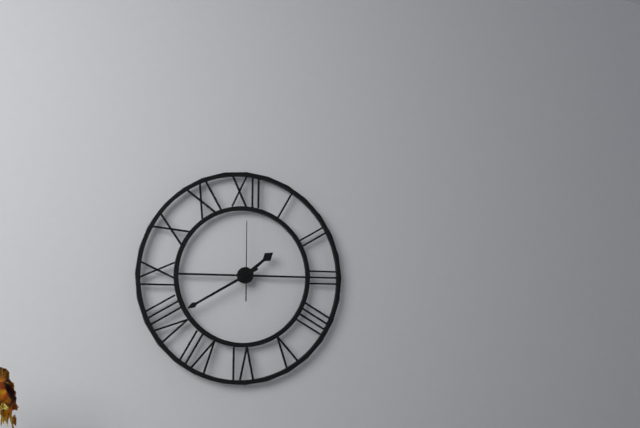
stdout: h=1 m=40 s=0
